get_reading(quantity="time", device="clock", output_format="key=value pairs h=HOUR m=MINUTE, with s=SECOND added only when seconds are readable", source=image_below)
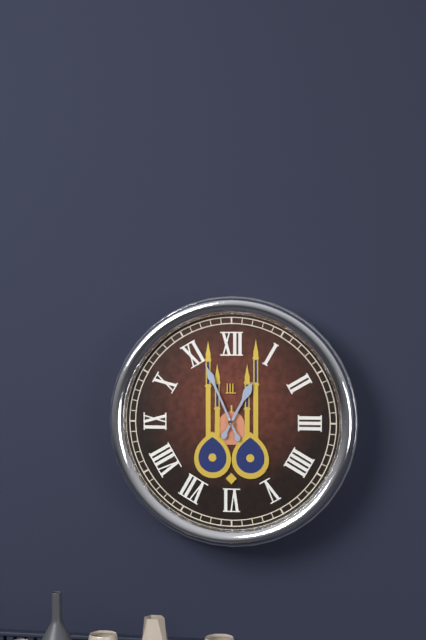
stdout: h=12 m=56
